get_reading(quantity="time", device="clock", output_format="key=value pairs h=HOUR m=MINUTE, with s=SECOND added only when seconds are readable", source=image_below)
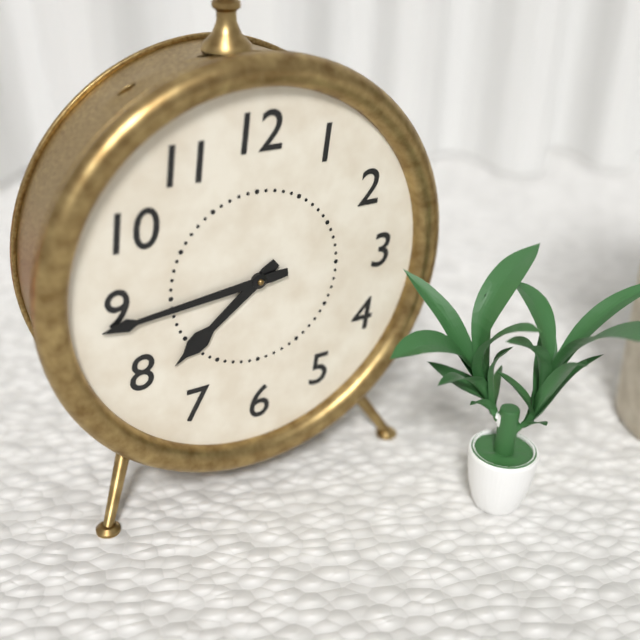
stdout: h=7 m=44
